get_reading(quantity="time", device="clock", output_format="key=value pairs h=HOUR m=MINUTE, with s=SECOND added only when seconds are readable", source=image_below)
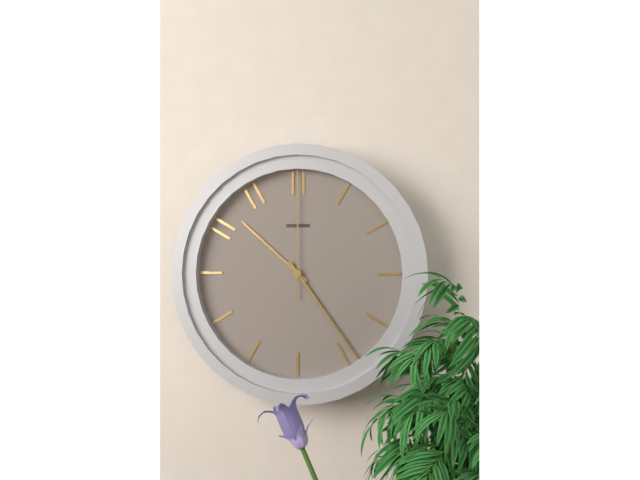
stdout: h=10 m=24 s=0
